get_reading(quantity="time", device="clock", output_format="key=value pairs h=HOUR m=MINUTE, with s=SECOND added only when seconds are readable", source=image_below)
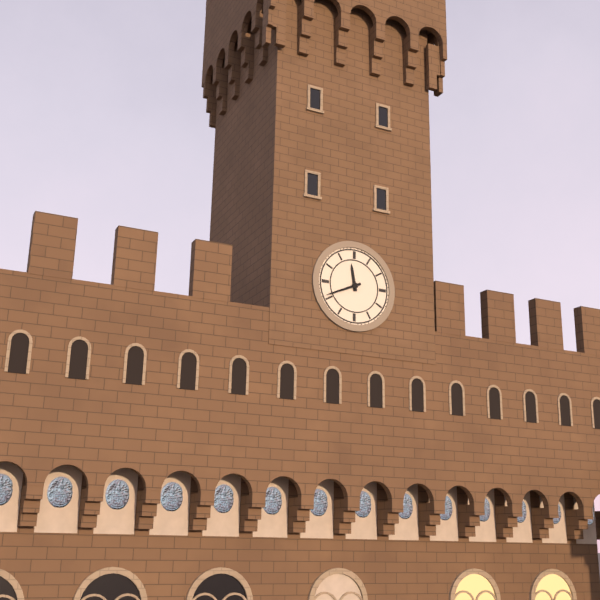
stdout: h=11 m=41
